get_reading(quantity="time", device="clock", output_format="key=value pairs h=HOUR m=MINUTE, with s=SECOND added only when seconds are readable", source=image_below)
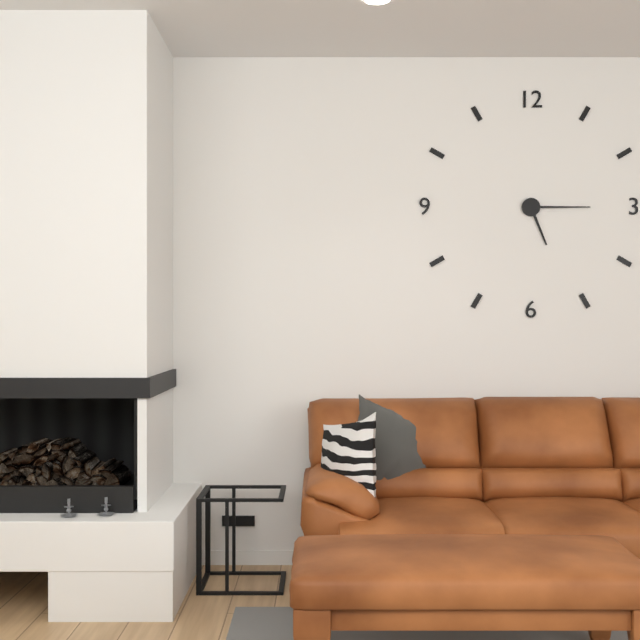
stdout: h=5 m=15
